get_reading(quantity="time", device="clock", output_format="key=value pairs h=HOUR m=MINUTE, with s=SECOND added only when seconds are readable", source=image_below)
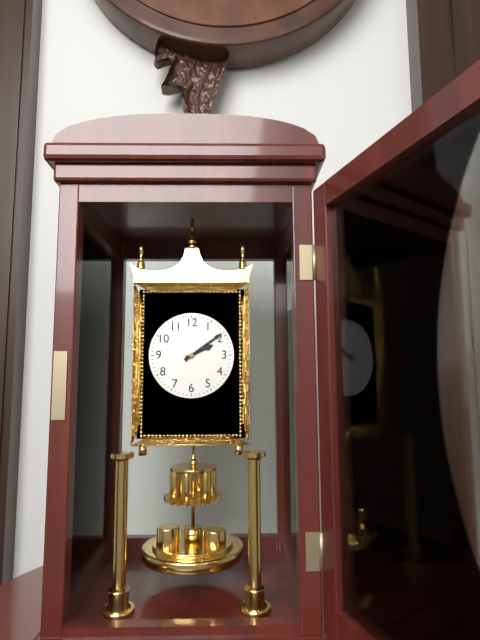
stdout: h=2 m=9
